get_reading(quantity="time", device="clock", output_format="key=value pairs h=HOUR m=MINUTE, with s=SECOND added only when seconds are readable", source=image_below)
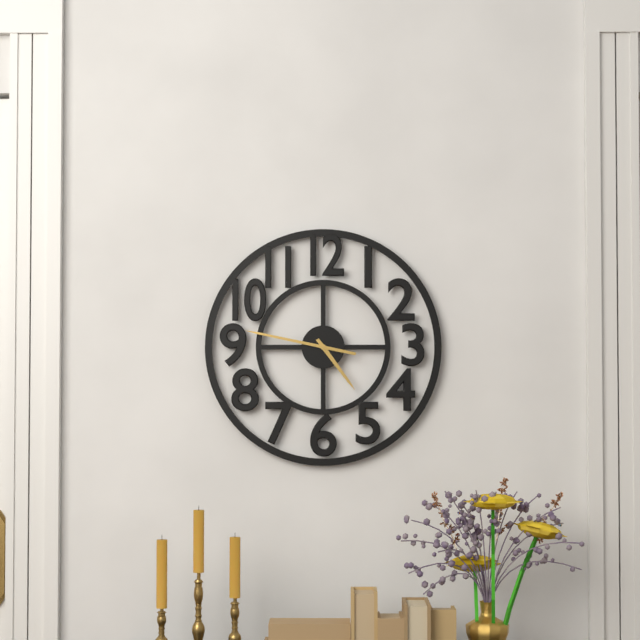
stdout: h=4 m=47
